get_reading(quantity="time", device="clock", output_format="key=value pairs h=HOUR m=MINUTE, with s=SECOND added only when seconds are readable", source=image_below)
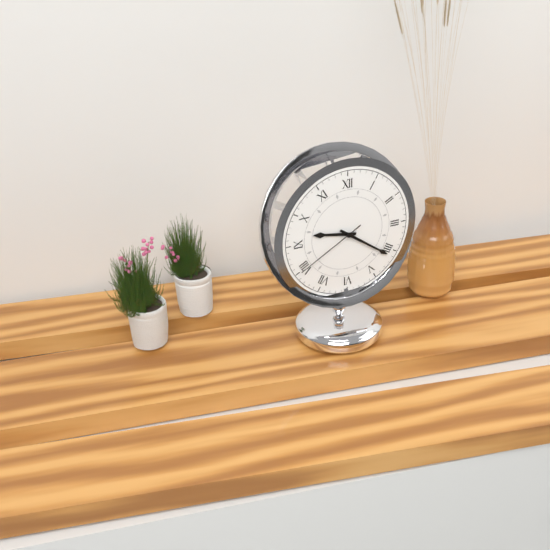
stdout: h=9 m=21 s=40
